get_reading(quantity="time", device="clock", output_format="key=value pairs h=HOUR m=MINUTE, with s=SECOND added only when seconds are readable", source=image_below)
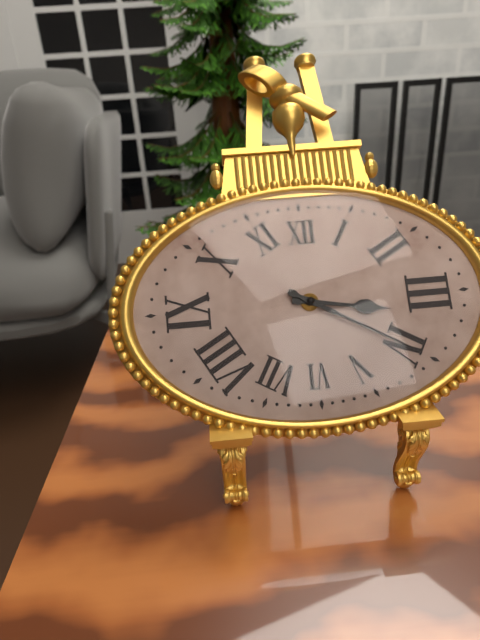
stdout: h=3 m=20
